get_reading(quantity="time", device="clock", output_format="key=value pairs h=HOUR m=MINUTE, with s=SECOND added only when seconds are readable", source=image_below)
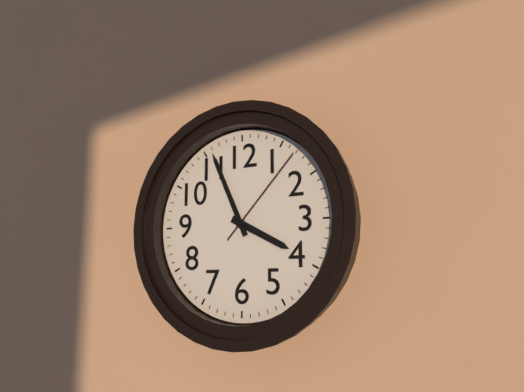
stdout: h=3 m=56 s=7
